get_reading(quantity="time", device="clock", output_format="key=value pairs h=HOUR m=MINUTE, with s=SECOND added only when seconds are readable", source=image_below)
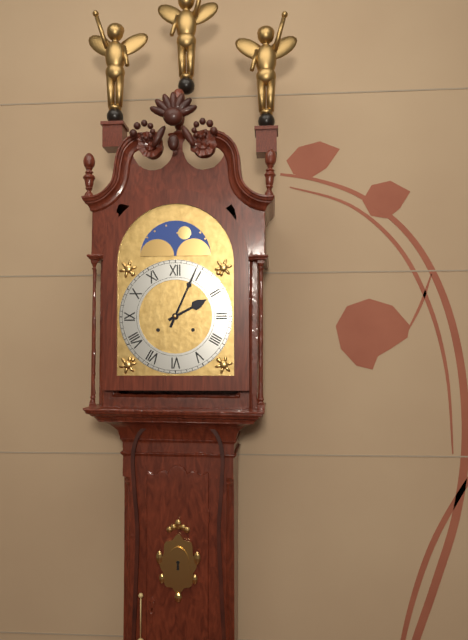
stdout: h=2 m=4
